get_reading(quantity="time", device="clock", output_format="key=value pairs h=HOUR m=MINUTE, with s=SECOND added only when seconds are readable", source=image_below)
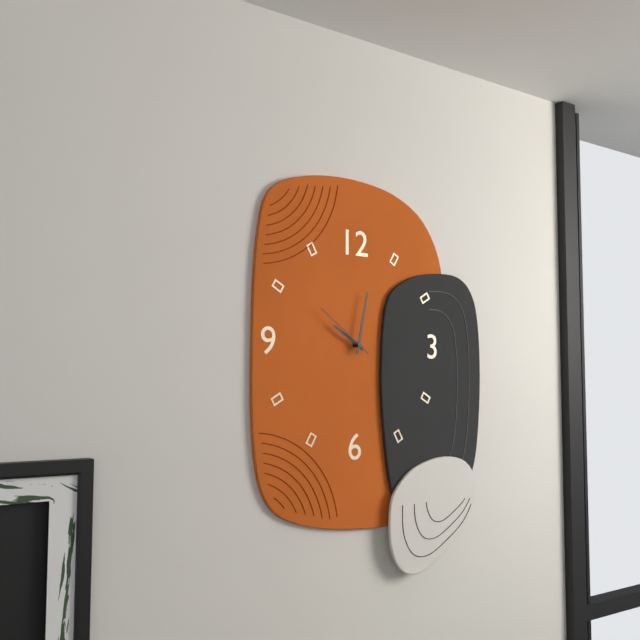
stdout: h=10 m=2 s=51
